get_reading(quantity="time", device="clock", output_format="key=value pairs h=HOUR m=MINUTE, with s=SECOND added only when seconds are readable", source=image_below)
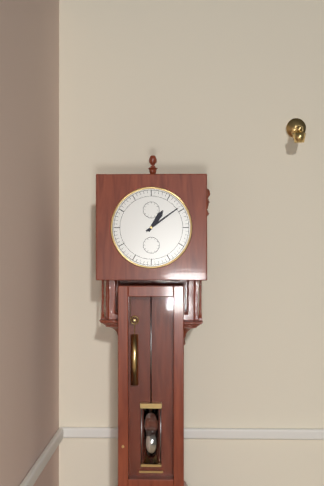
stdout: h=1 m=9
